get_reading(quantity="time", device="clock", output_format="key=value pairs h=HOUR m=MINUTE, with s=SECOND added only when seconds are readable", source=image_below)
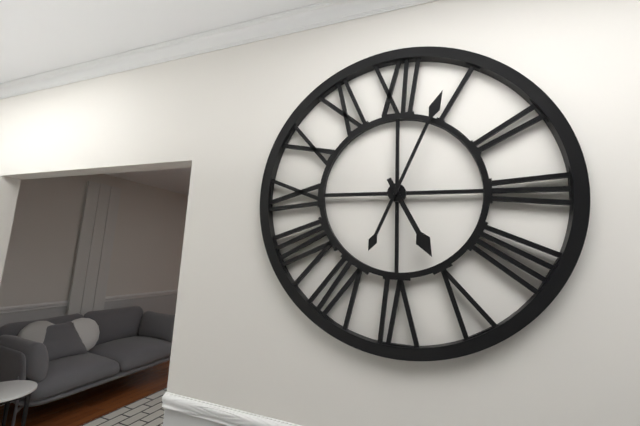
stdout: h=5 m=4
